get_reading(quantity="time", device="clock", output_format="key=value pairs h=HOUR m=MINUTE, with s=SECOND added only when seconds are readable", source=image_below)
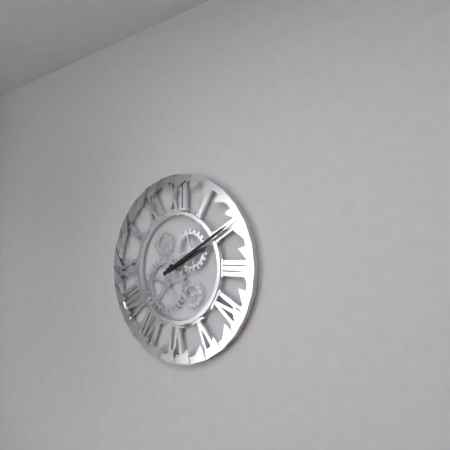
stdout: h=2 m=10
